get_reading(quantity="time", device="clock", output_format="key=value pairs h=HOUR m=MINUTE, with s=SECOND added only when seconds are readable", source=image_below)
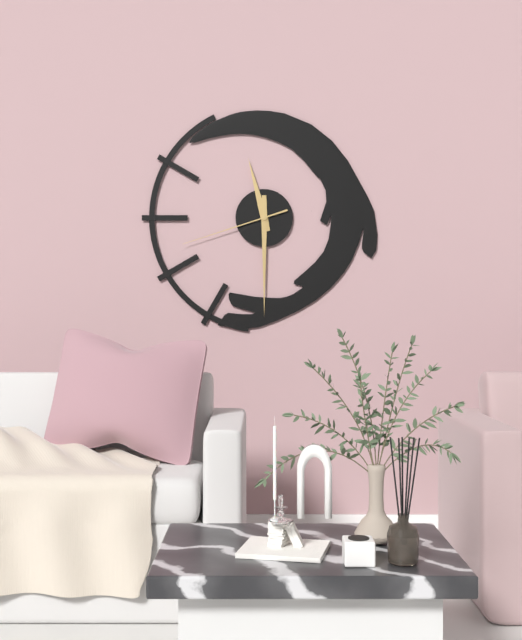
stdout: h=11 m=30 s=42
